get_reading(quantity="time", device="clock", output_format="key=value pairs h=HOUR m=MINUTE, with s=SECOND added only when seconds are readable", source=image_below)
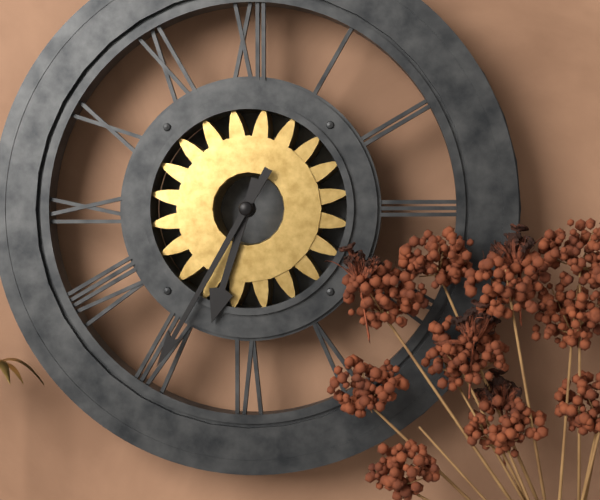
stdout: h=6 m=35
